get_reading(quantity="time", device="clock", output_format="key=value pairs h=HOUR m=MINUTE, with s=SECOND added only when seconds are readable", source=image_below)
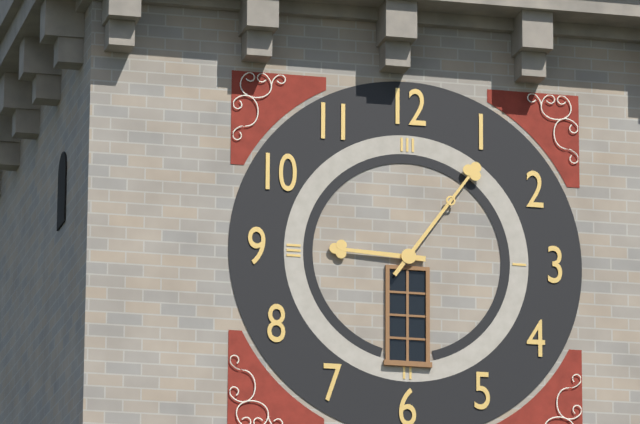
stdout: h=9 m=6
